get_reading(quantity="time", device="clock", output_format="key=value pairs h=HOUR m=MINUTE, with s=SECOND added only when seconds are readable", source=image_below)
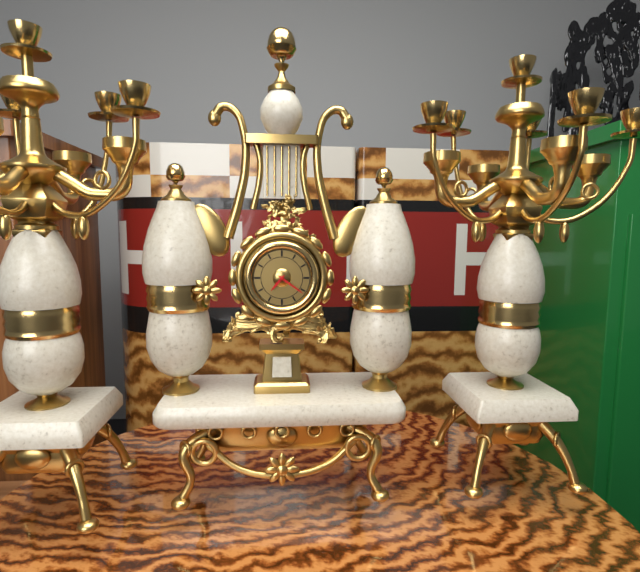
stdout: h=7 m=21
